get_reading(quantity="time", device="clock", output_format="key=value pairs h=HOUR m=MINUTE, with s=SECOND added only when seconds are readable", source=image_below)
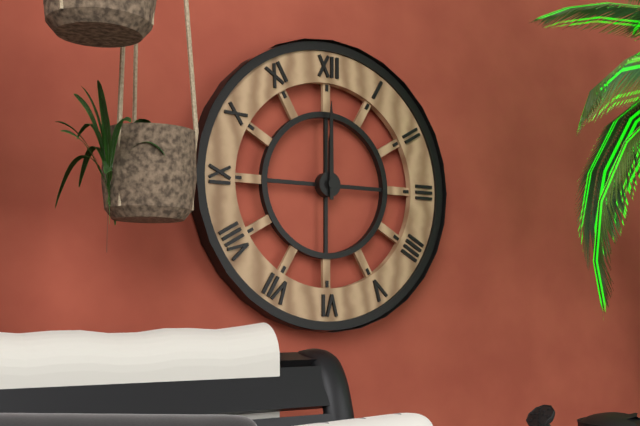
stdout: h=12 m=0
